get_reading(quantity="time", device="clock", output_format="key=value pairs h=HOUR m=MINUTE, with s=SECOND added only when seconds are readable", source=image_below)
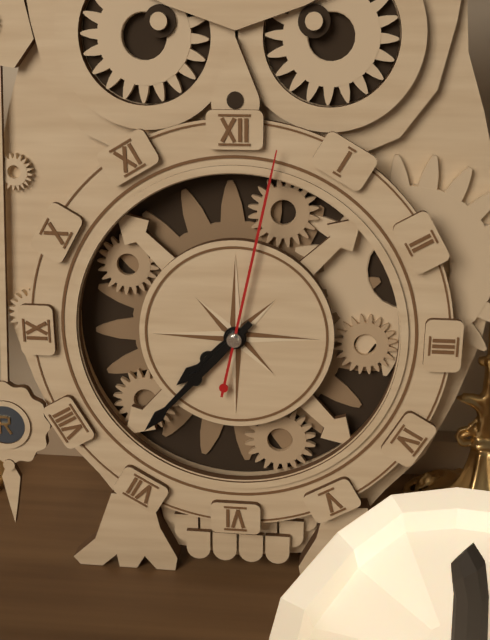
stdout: h=7 m=37 s=2
